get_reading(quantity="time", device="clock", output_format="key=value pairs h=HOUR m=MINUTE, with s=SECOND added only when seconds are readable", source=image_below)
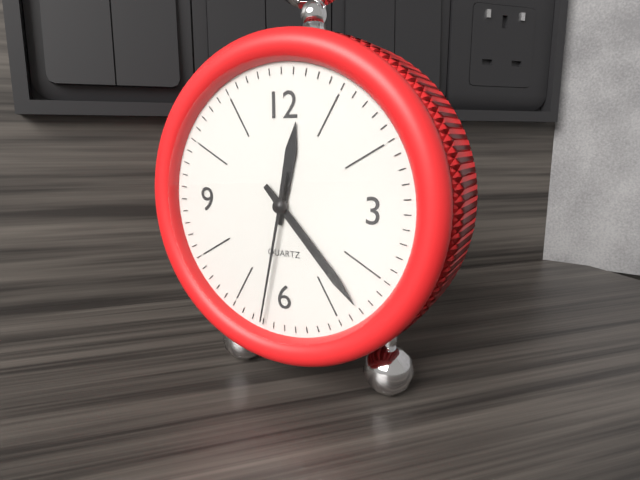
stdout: h=12 m=23 s=32
